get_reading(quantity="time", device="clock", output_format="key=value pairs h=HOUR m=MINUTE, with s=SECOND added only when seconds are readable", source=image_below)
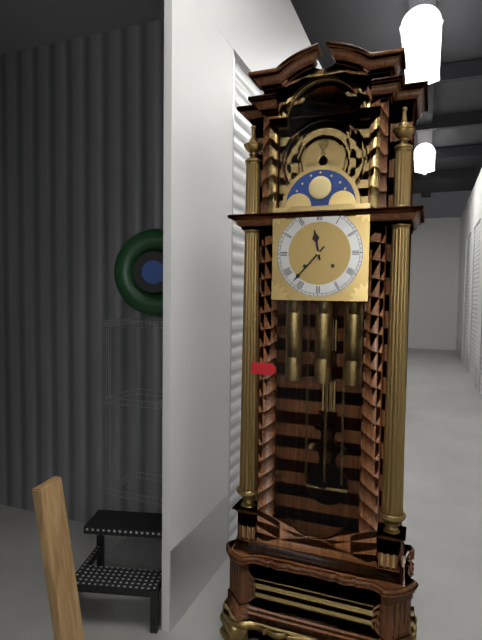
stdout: h=11 m=37
